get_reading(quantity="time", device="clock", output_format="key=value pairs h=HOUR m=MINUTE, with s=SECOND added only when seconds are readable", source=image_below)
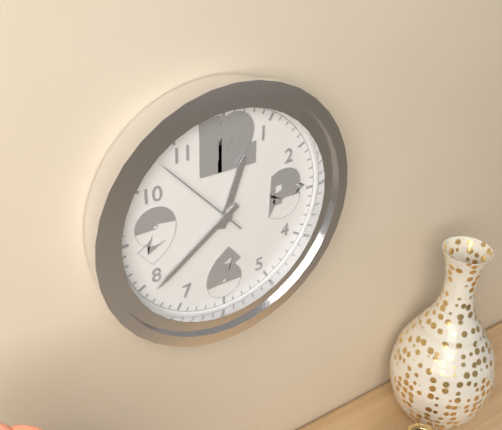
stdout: h=12 m=39 s=53
